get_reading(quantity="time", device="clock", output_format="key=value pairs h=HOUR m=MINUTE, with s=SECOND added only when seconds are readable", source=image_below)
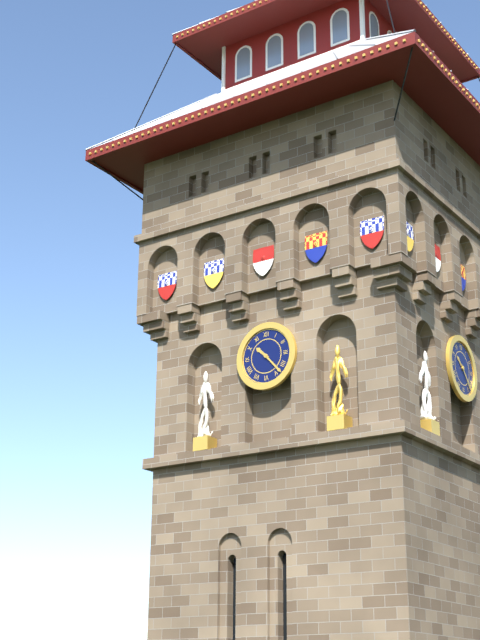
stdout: h=10 m=23
